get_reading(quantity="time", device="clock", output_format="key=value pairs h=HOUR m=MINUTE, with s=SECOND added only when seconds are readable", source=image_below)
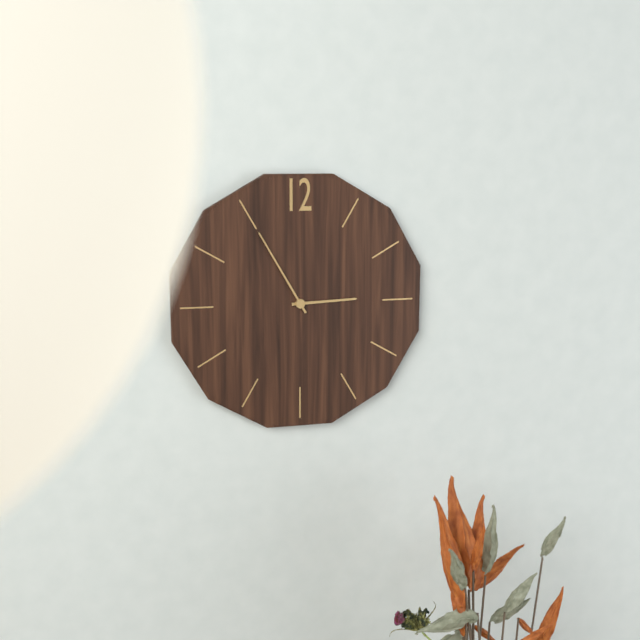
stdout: h=2 m=55
